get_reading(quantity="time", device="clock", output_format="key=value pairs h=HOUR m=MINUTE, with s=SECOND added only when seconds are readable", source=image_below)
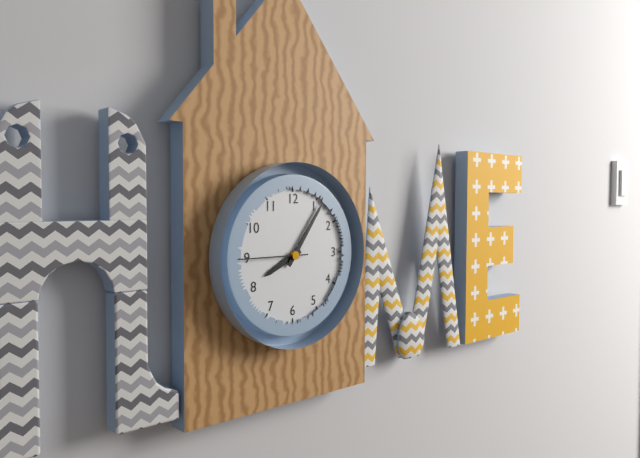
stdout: h=8 m=6 s=45
